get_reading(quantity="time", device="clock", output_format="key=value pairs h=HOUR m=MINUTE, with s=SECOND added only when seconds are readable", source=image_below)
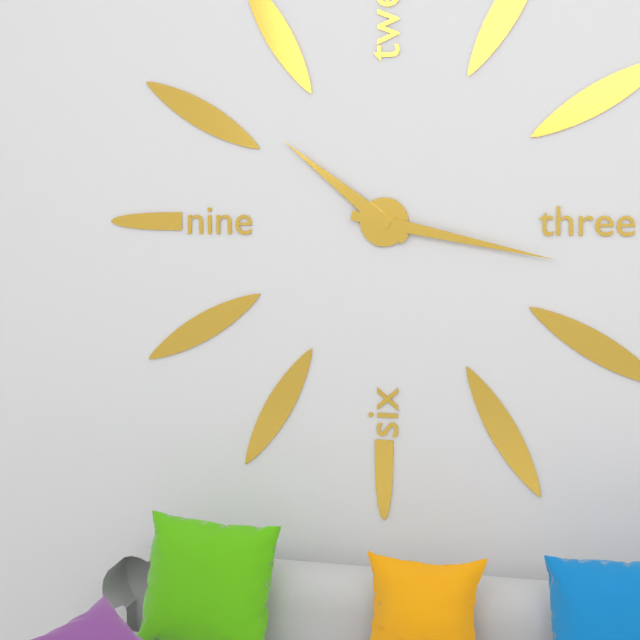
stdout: h=10 m=17
